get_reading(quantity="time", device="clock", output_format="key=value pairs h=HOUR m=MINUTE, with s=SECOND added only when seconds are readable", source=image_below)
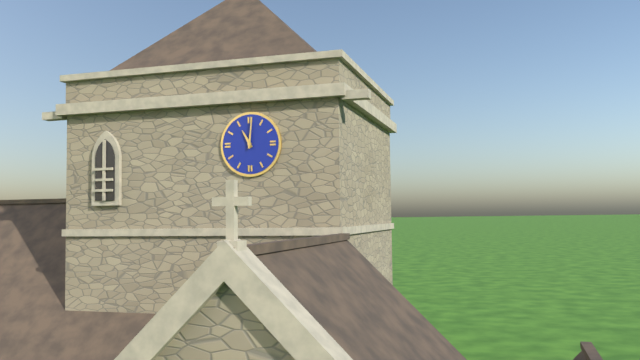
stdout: h=11 m=1
